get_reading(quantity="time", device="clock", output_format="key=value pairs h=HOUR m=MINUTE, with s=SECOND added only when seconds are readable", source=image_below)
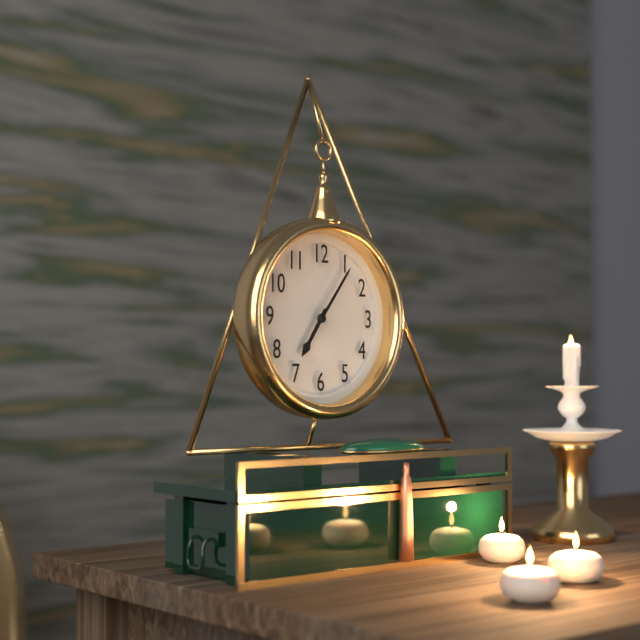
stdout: h=7 m=6
